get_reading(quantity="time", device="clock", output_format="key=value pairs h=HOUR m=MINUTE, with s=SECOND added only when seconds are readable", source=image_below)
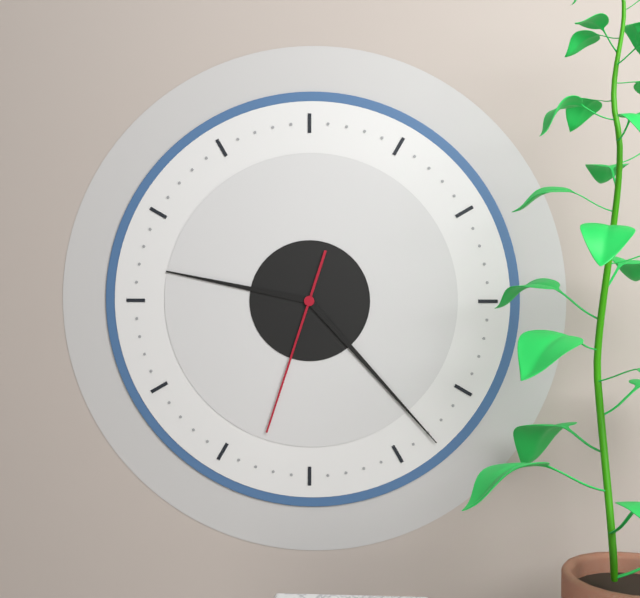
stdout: h=9 m=23 s=33
